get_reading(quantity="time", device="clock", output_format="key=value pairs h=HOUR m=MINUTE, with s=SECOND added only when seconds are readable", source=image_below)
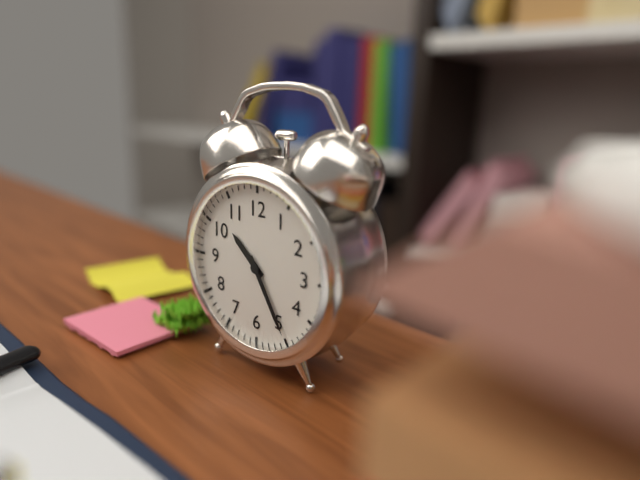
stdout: h=10 m=25
